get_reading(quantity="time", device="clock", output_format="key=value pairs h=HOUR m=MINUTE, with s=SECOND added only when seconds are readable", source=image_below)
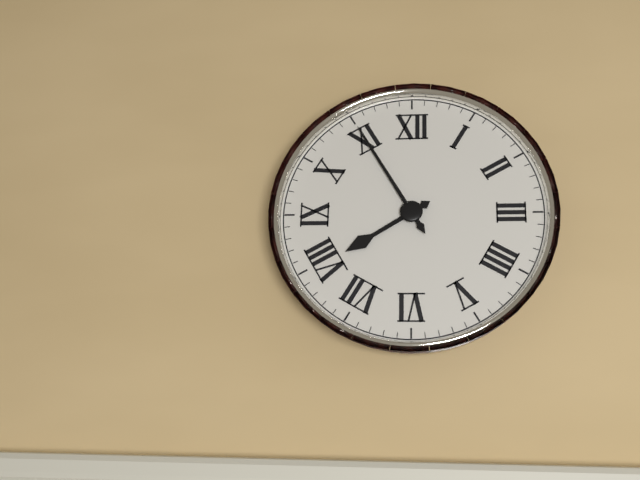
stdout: h=7 m=55
